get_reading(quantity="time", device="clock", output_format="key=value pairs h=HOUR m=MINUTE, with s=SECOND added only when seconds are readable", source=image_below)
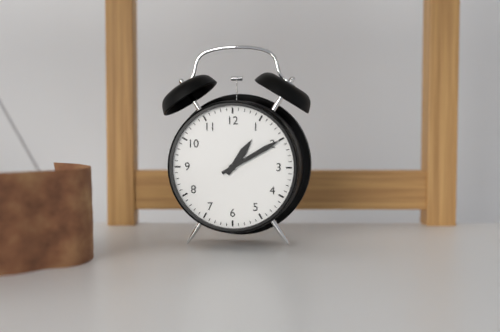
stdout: h=1 m=10
